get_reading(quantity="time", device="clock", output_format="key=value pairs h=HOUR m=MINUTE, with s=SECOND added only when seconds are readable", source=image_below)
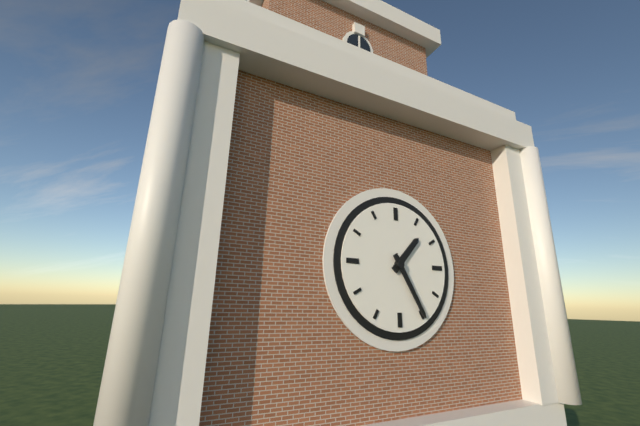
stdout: h=1 m=25
